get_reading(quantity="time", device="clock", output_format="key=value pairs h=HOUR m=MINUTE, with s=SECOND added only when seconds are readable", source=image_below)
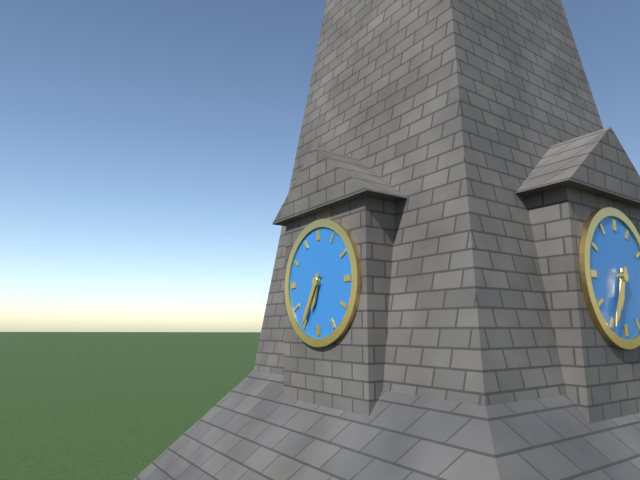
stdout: h=6 m=35
